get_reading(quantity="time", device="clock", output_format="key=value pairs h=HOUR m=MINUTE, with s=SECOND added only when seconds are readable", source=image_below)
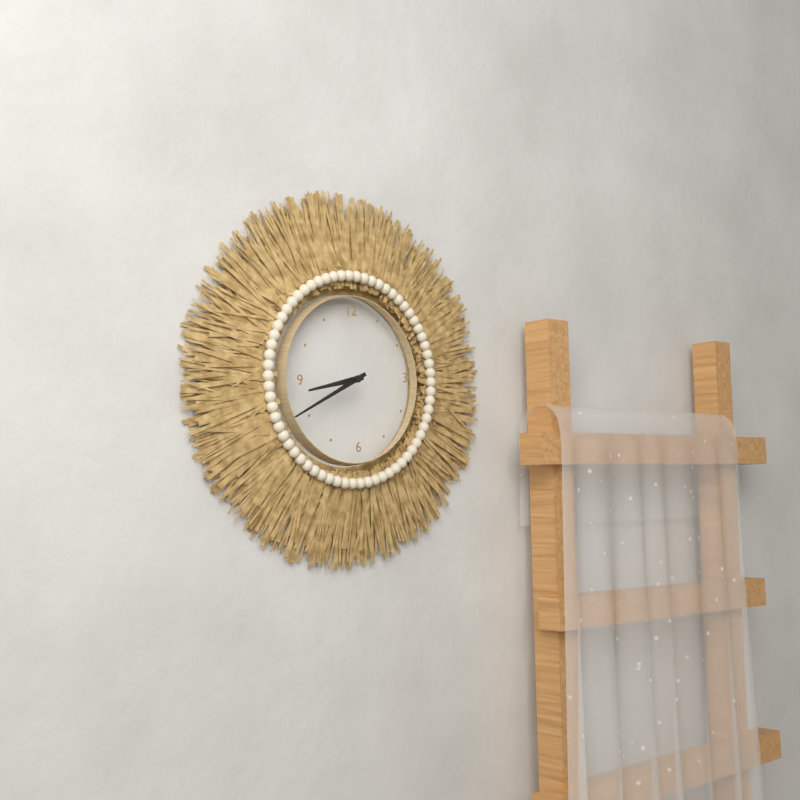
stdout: h=8 m=41
